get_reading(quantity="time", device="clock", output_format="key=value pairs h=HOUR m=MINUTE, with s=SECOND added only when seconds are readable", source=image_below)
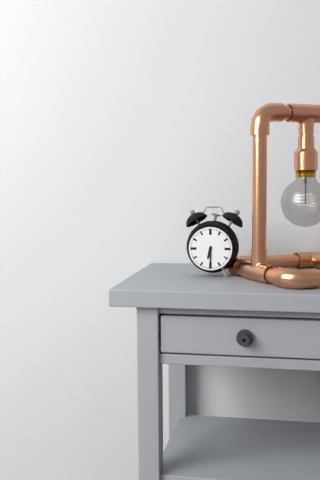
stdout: h=6 m=30
